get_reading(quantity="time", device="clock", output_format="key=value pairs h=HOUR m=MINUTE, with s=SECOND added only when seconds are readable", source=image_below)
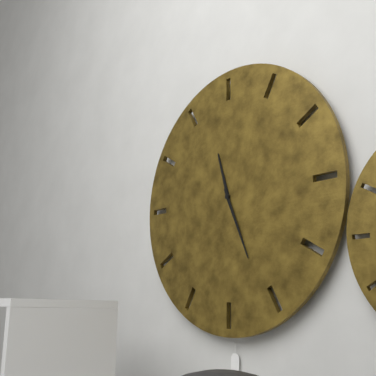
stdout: h=11 m=26
